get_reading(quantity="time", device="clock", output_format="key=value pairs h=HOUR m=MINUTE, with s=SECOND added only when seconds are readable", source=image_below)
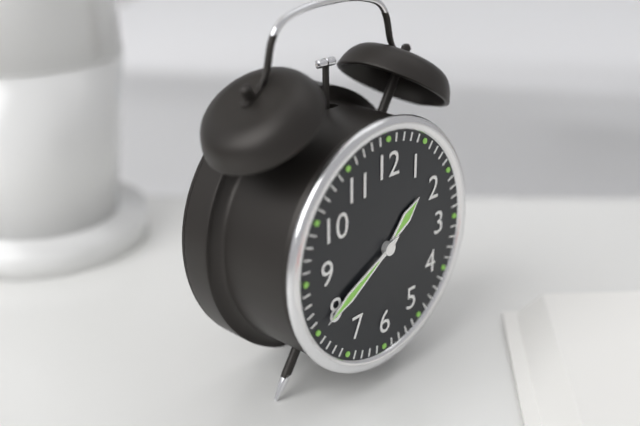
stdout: h=1 m=40
